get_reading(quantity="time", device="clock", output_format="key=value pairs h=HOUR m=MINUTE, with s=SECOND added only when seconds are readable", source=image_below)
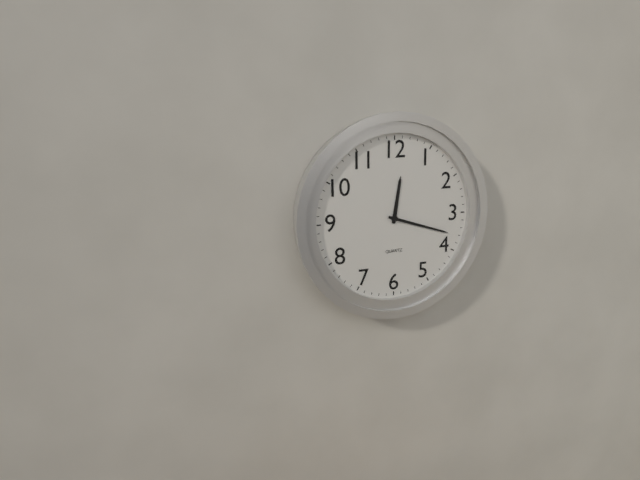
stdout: h=12 m=18
